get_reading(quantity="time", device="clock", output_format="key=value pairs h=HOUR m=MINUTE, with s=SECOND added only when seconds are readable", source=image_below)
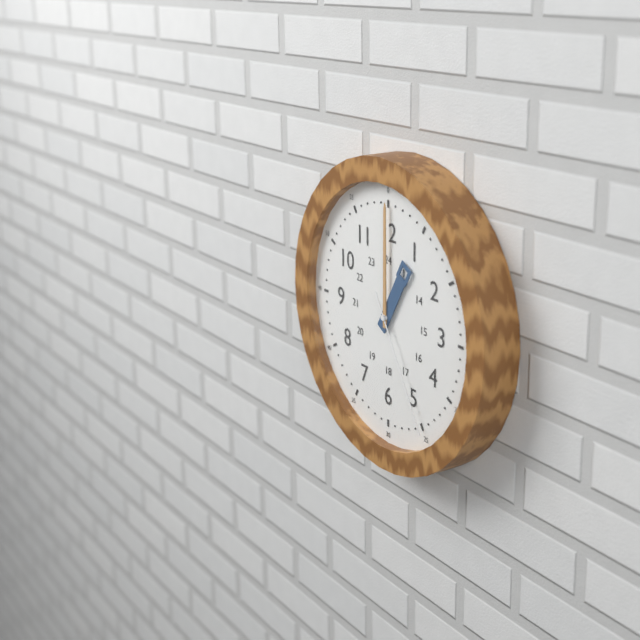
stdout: h=1 m=0 s=25
